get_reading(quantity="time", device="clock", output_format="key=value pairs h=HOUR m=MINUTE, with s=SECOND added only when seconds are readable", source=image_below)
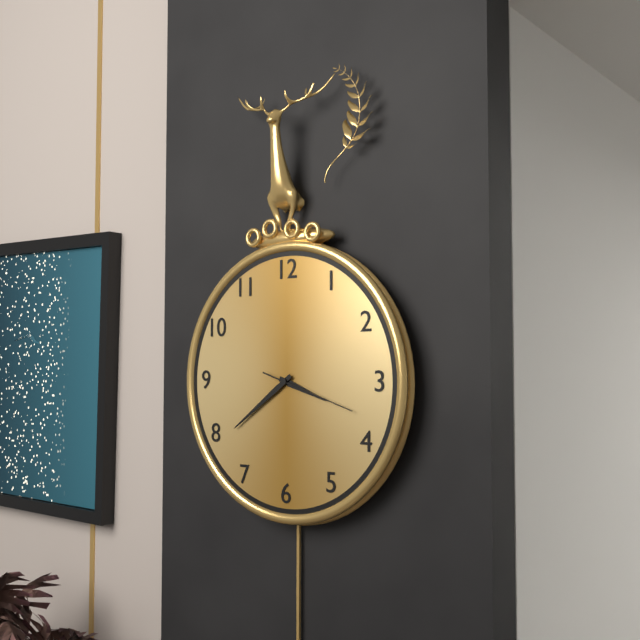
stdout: h=3 m=39 s=18
